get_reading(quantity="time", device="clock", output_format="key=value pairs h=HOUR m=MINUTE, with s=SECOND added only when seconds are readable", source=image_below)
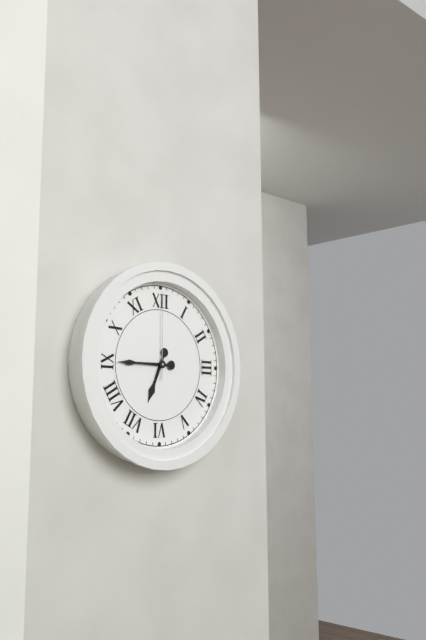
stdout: h=6 m=45 s=0
